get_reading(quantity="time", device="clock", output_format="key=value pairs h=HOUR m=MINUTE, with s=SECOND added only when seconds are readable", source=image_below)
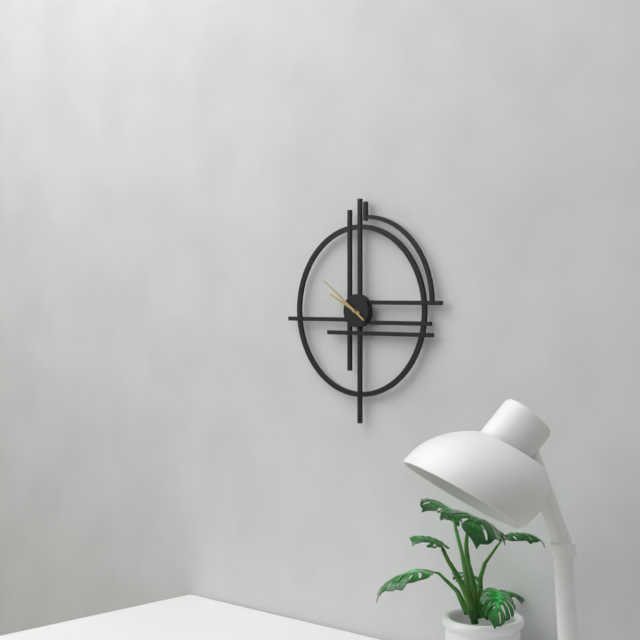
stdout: h=9 m=51
